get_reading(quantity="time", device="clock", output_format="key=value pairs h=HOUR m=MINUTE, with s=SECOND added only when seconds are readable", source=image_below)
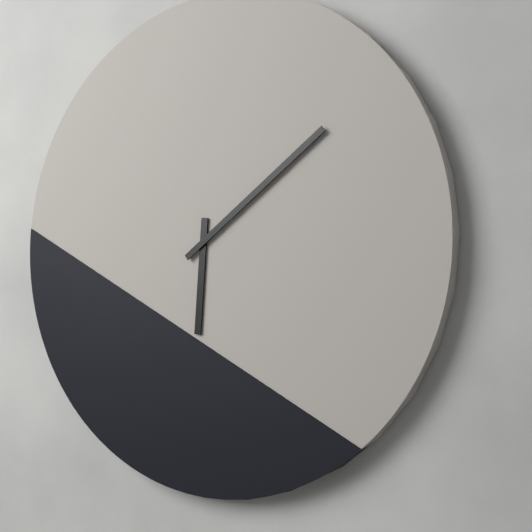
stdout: h=6 m=9
